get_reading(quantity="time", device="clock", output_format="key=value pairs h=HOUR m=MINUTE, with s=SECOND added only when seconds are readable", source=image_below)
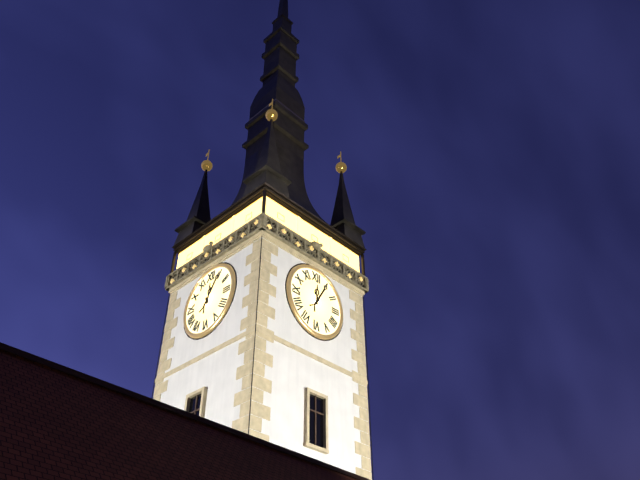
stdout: h=12 m=5
